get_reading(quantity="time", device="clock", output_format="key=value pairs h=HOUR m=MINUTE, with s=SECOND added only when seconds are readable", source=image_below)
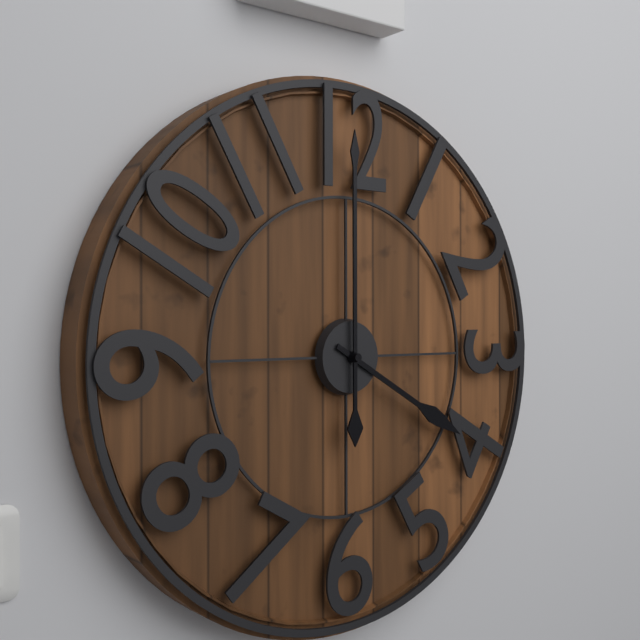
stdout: h=4 m=0
